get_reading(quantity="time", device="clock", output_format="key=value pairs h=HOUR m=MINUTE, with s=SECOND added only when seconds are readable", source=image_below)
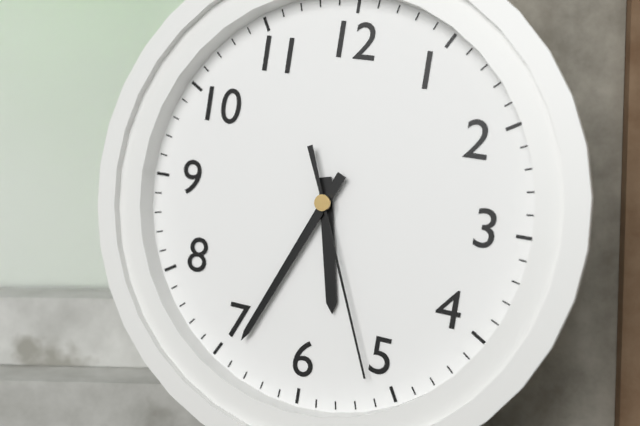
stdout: h=5 m=34 s=26
